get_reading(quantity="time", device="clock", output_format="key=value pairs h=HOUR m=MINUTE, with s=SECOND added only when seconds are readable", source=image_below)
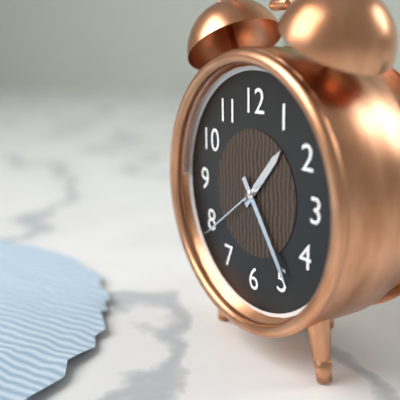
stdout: h=1 m=24 s=39
